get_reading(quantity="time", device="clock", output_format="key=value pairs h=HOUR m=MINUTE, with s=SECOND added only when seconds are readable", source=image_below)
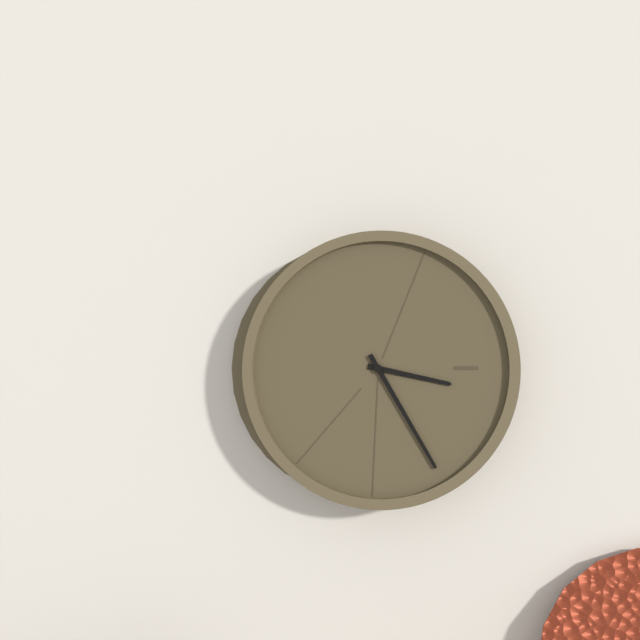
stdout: h=3 m=25
